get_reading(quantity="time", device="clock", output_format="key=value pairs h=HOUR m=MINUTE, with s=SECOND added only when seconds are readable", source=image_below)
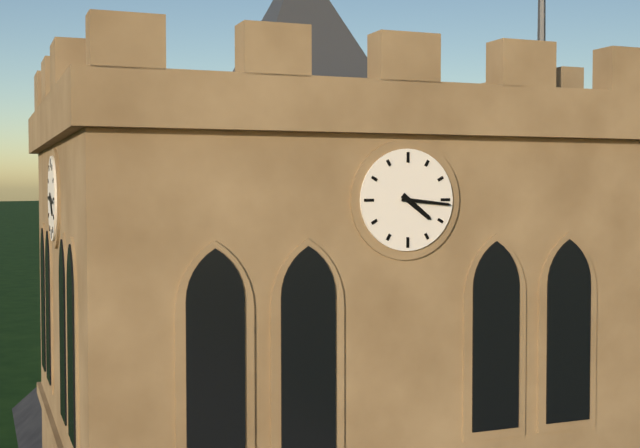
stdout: h=4 m=16
